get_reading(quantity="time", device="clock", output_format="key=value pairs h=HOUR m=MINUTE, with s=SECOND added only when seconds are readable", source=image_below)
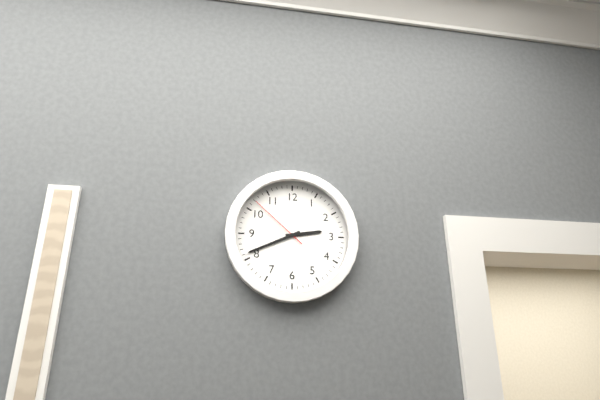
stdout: h=2 m=41 s=52
